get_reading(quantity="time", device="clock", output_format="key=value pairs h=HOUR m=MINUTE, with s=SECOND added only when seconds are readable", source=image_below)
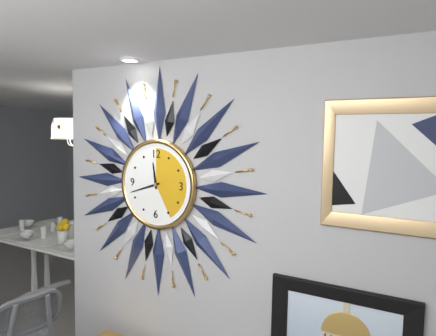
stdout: h=11 m=42
